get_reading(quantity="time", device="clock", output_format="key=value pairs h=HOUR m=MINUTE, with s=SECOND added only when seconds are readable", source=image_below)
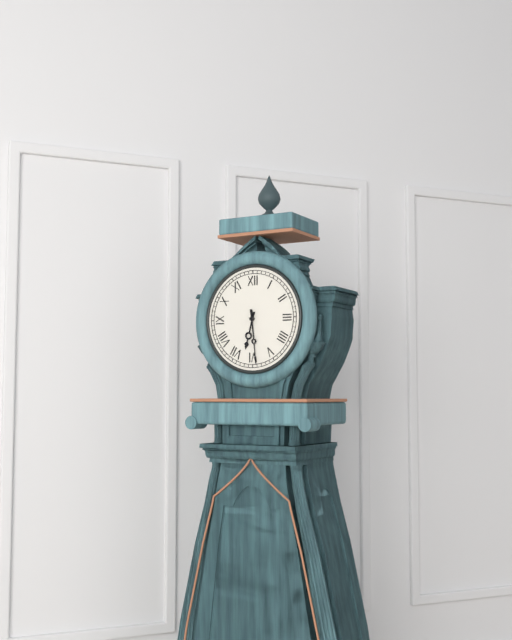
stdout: h=6 m=29
